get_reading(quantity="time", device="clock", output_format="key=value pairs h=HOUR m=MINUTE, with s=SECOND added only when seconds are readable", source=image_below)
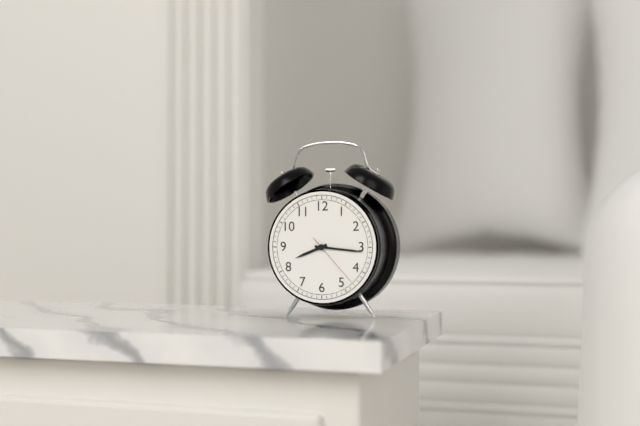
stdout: h=8 m=16 s=23
